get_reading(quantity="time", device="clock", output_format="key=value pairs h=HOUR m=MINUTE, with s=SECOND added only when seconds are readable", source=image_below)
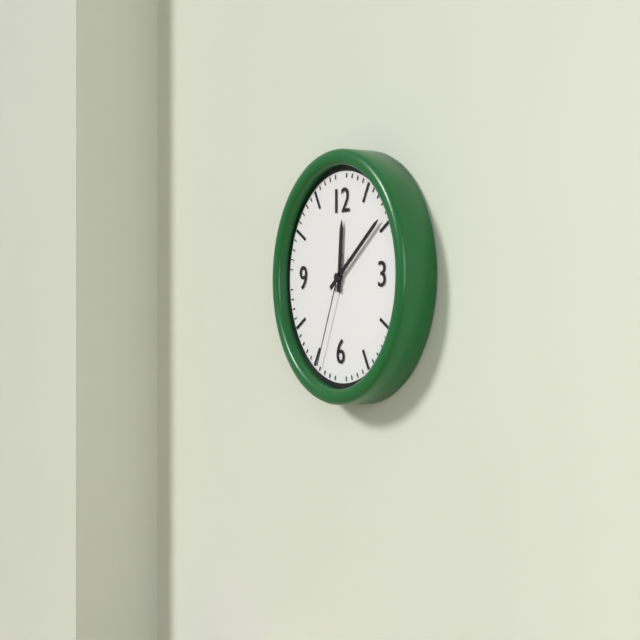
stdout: h=12 m=9 s=34
